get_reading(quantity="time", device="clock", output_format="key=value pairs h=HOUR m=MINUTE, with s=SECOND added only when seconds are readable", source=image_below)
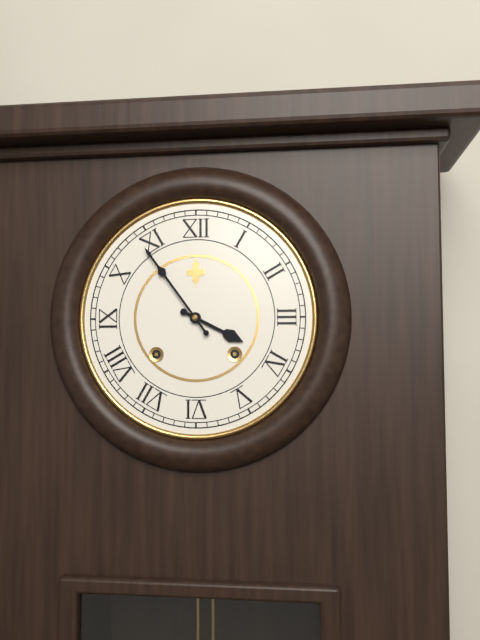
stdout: h=3 m=54
